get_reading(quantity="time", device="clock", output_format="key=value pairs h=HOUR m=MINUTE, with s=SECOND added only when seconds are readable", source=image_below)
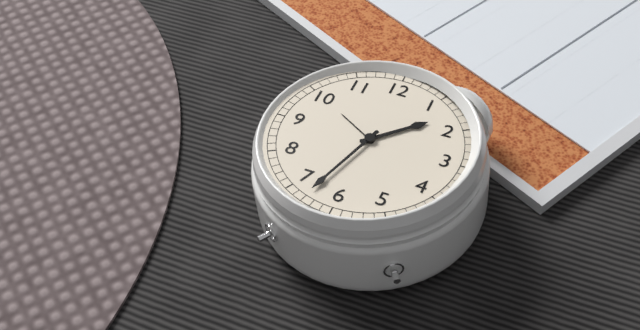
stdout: h=1 m=33
